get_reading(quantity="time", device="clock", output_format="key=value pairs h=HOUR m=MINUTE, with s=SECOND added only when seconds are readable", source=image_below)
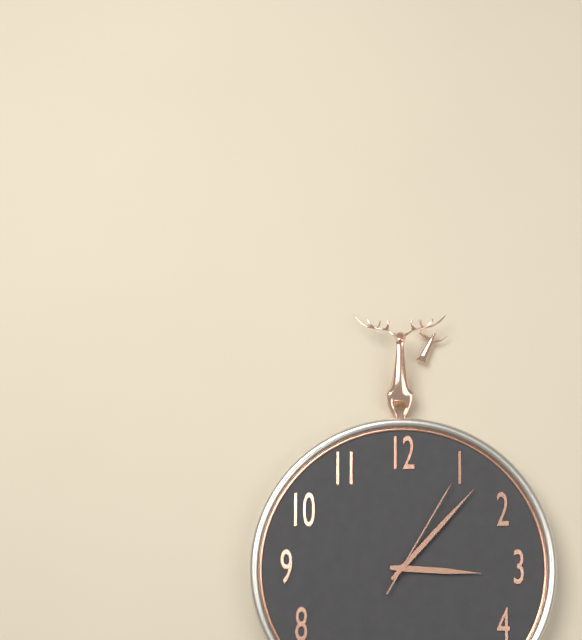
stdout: h=3 m=7 s=5
